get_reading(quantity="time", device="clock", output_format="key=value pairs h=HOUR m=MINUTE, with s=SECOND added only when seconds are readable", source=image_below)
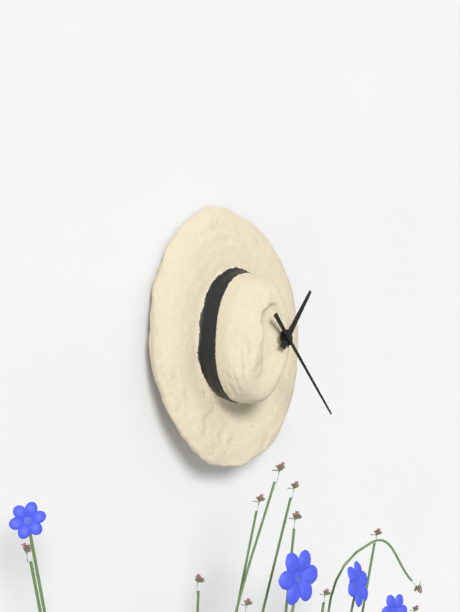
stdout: h=1 m=25
